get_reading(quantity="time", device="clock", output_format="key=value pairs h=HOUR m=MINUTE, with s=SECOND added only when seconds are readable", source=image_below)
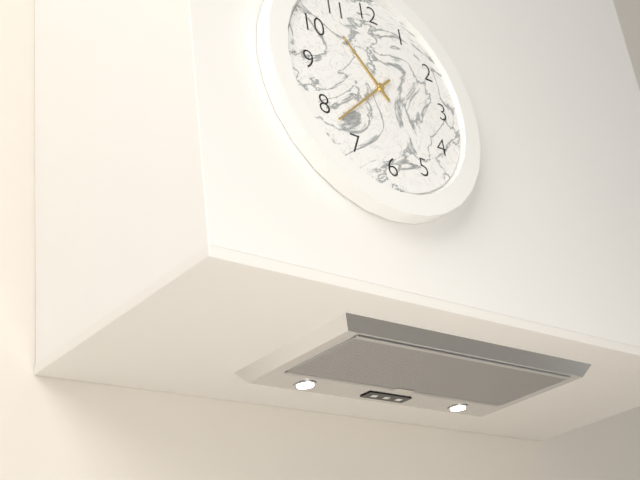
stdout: h=10 m=38
